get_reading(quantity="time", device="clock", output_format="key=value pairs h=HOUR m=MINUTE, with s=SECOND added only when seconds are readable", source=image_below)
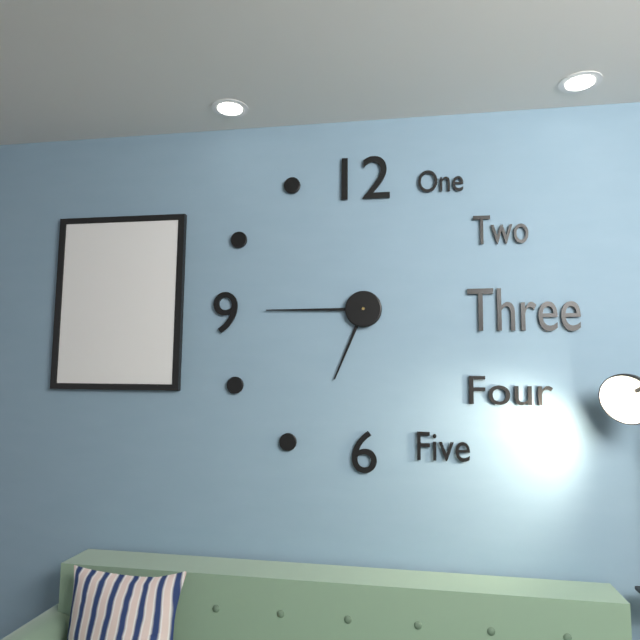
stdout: h=6 m=45
